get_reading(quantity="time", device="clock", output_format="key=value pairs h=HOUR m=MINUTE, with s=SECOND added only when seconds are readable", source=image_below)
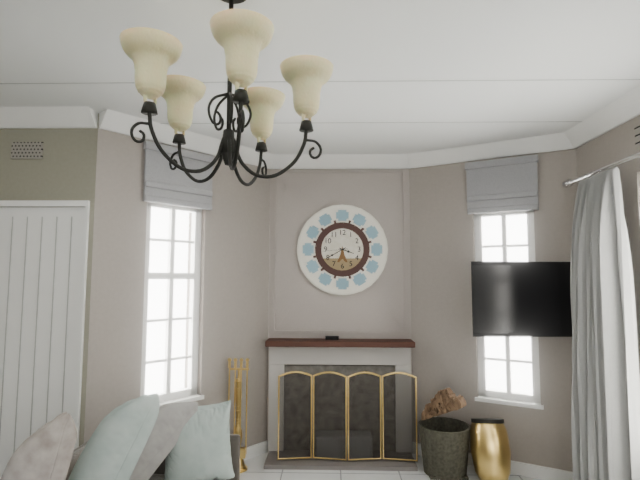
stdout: h=3 m=40
